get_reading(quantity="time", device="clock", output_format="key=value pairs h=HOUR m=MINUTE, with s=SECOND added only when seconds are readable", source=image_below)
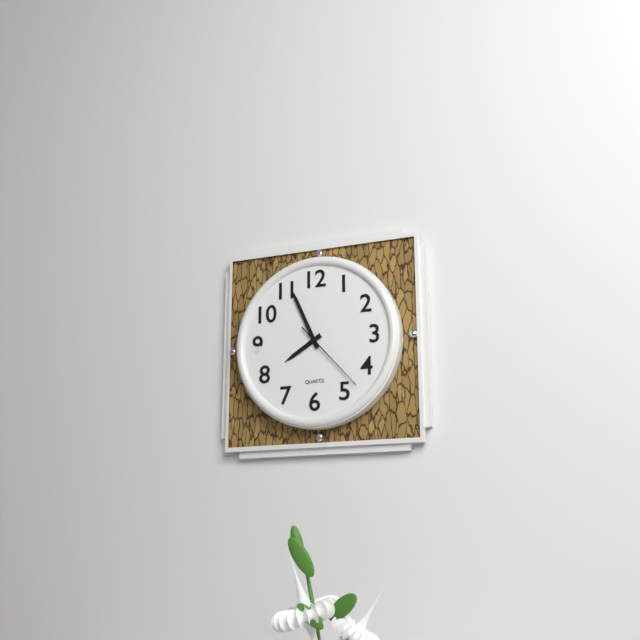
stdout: h=7 m=56 s=23
